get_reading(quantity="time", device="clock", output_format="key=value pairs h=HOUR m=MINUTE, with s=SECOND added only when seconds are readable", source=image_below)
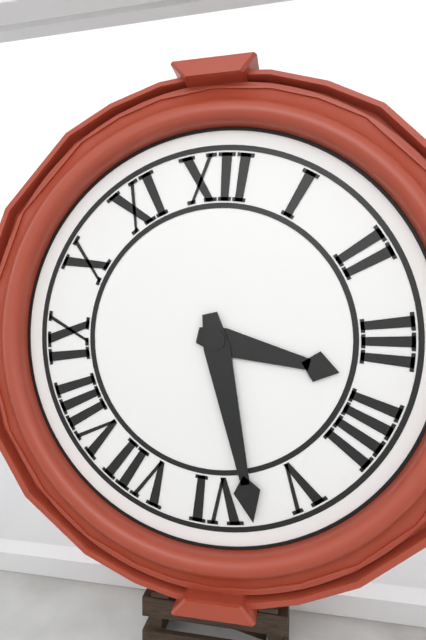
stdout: h=3 m=28
